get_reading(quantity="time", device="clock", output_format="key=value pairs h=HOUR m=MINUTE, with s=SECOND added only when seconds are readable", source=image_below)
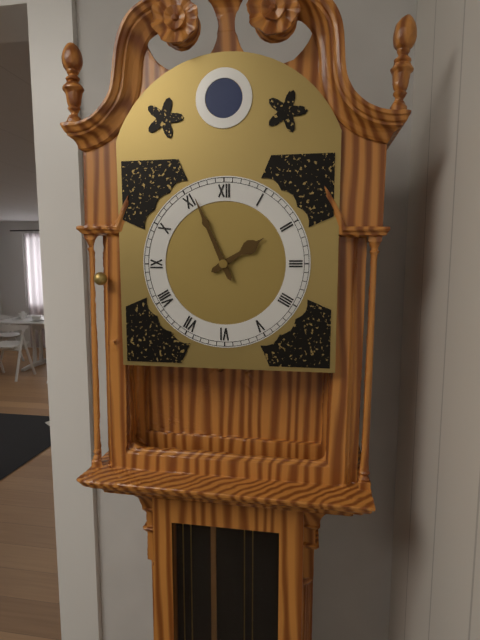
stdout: h=1 m=56
